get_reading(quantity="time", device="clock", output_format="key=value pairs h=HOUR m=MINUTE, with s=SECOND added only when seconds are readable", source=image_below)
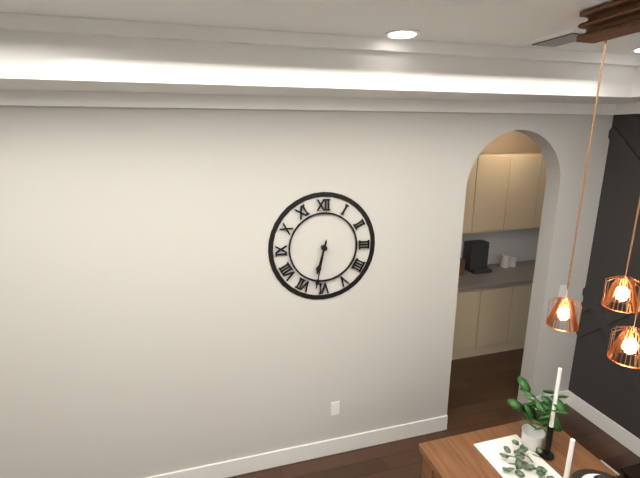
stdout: h=6 m=32
